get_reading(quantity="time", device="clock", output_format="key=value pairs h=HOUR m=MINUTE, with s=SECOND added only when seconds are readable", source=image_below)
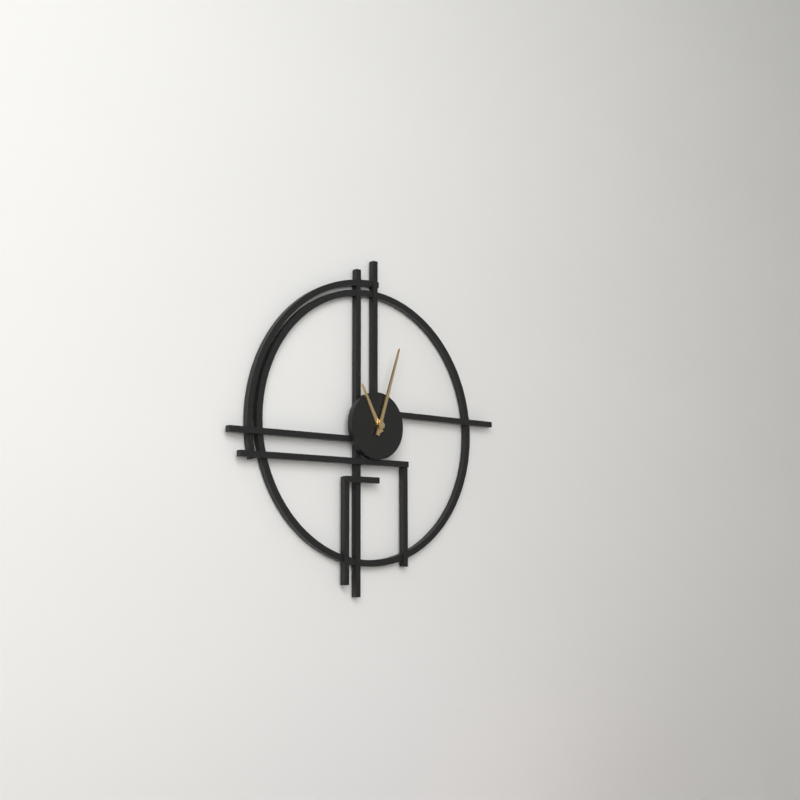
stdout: h=11 m=3
